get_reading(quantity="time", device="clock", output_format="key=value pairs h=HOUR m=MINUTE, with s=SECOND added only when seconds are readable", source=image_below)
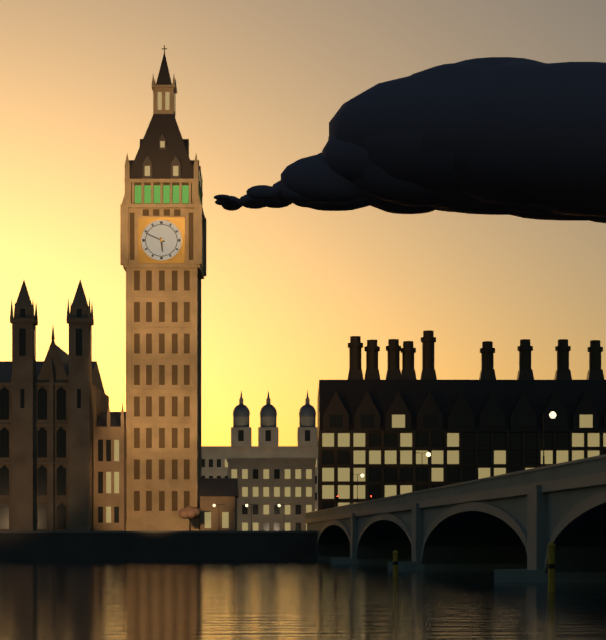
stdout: h=5 m=49
